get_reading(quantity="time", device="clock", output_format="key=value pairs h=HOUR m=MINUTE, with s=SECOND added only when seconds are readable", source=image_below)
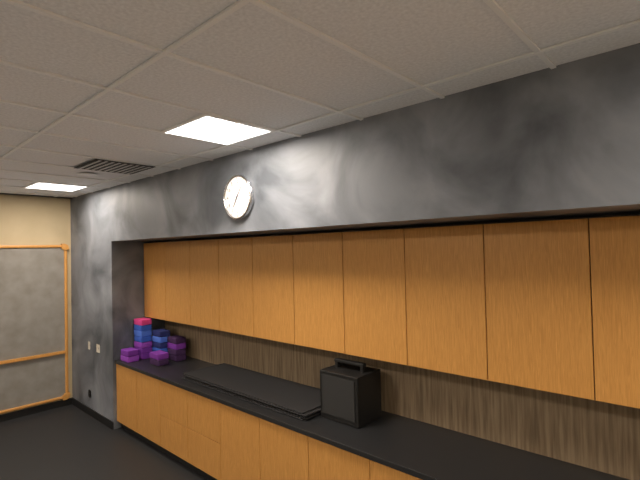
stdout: h=7 m=6
